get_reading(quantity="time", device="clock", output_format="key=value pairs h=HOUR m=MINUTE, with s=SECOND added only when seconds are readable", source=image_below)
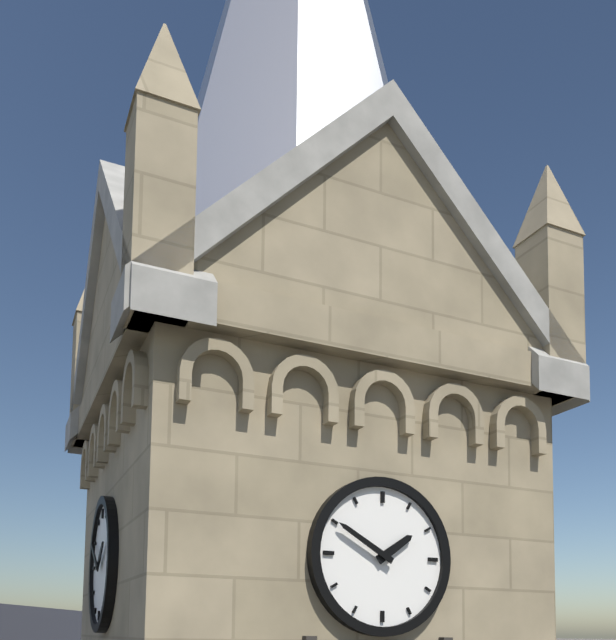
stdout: h=1 m=50
